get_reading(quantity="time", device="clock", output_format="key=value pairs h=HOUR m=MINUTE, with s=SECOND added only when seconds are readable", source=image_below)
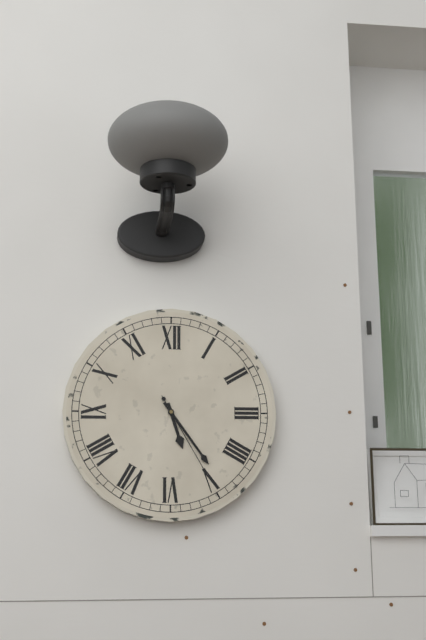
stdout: h=5 m=24 s=25
